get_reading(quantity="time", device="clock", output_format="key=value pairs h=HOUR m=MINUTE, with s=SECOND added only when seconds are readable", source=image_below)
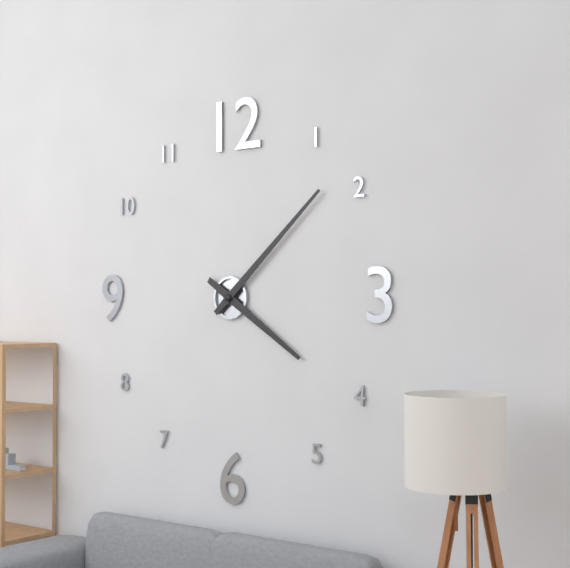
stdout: h=4 m=8
